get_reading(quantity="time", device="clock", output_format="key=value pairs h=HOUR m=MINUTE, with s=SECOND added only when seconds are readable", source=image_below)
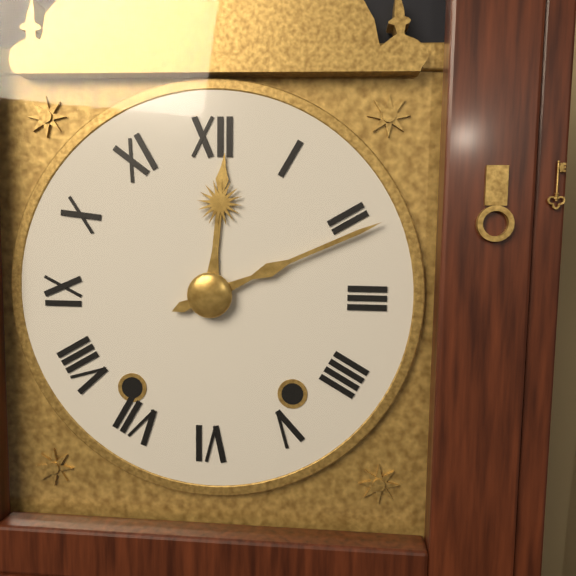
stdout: h=12 m=11
